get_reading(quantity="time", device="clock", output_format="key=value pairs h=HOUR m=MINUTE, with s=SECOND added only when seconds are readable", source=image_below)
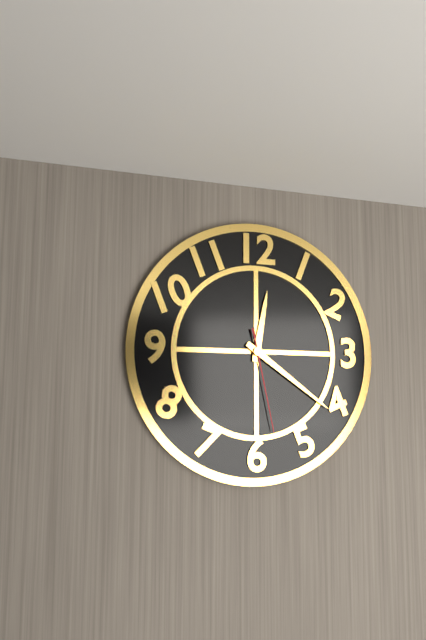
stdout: h=12 m=21 s=28
